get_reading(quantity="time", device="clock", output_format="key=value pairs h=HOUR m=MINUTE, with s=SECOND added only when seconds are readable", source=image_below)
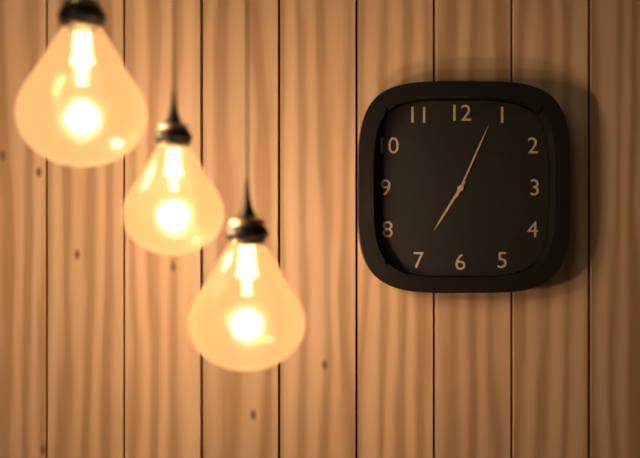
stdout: h=7 m=4
